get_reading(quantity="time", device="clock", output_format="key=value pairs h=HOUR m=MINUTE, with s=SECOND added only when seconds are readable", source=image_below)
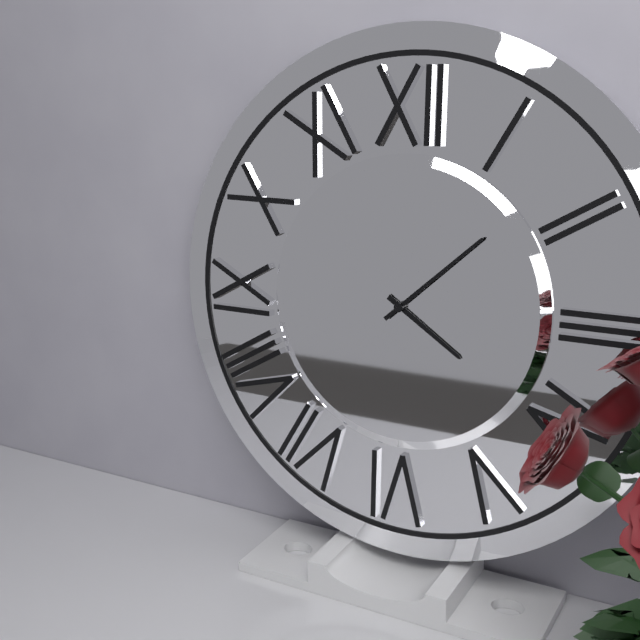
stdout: h=4 m=8
